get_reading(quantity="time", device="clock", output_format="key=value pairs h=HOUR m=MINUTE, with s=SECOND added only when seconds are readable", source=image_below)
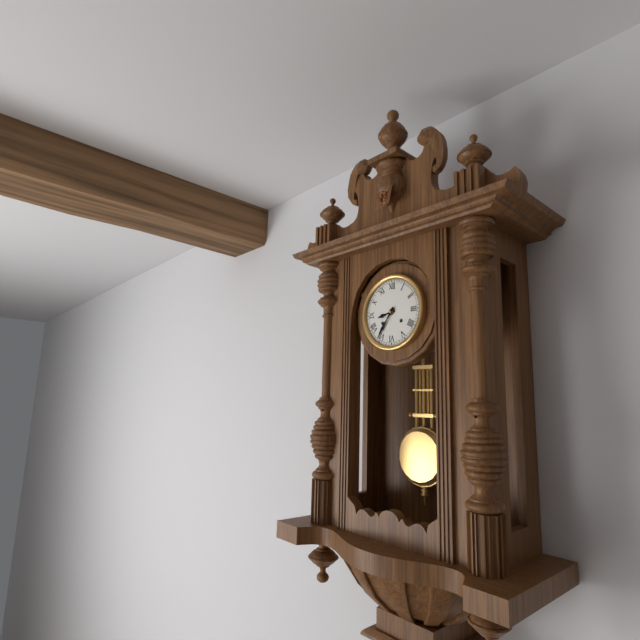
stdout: h=8 m=36
